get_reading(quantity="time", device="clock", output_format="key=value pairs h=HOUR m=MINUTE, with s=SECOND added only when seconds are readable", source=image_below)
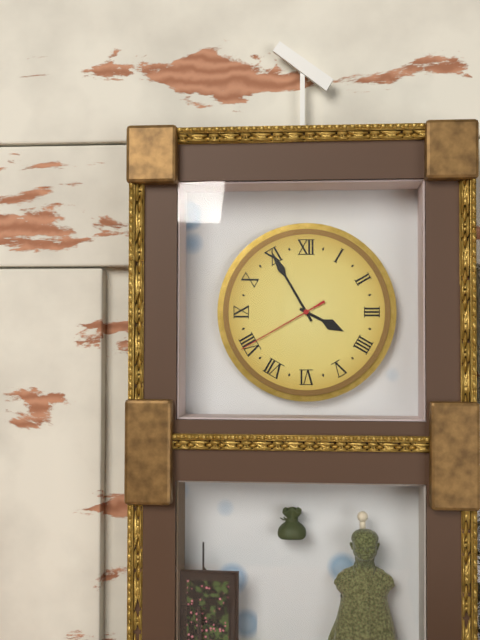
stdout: h=3 m=55 s=40
